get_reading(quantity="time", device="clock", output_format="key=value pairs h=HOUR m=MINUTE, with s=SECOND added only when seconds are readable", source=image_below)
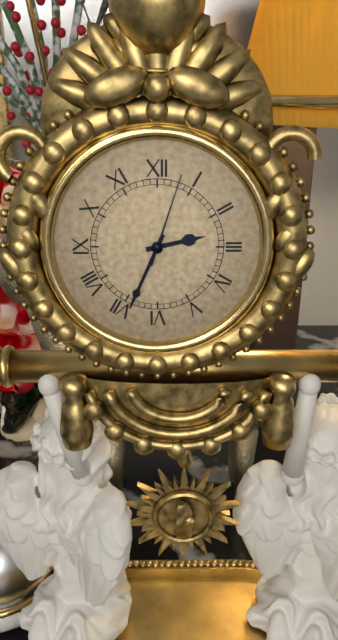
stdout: h=2 m=34 s=3
